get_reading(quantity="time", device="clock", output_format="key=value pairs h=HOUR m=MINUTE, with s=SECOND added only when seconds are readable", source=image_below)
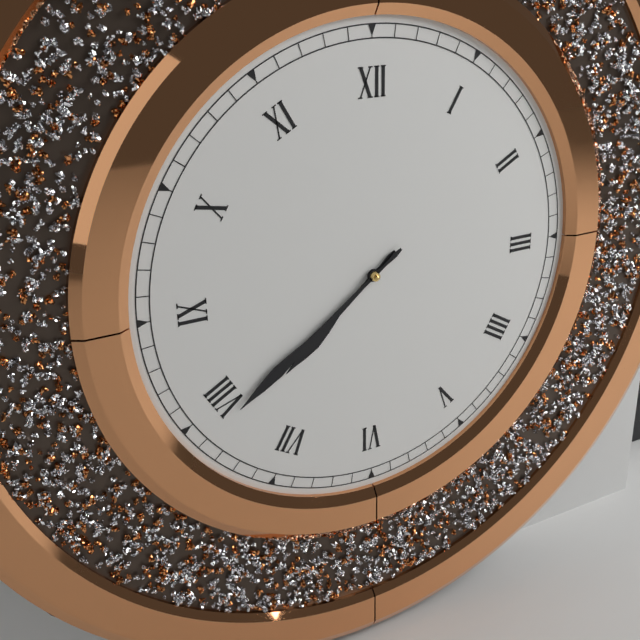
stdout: h=7 m=39
